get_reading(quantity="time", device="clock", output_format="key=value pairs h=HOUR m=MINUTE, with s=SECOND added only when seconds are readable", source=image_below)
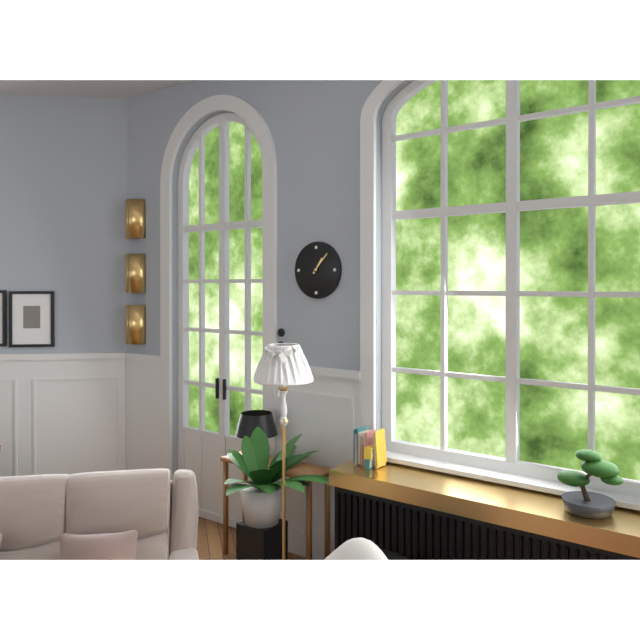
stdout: h=1 m=7
